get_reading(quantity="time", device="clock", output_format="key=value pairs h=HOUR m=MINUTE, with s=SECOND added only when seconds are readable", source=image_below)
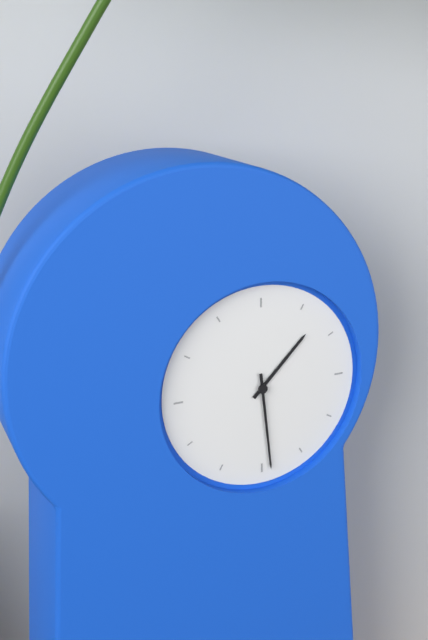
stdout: h=1 m=29
